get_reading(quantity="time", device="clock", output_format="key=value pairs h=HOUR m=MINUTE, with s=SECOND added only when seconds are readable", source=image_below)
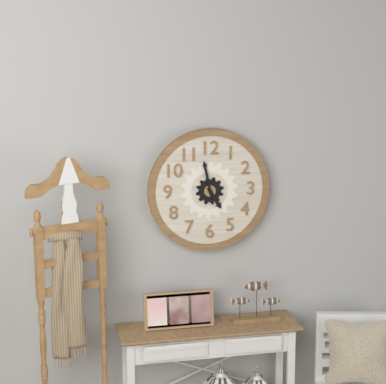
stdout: h=4 m=58
